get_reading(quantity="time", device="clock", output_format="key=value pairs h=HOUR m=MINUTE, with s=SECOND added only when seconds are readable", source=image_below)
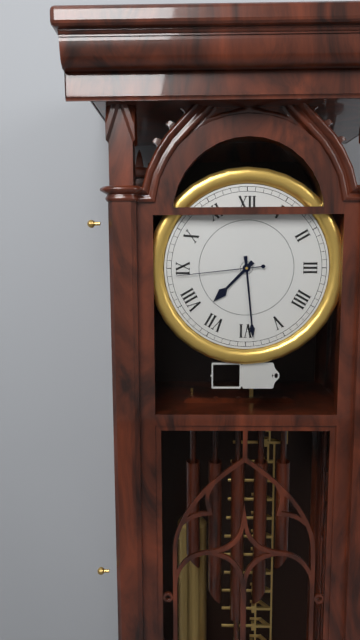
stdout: h=7 m=29 s=44
